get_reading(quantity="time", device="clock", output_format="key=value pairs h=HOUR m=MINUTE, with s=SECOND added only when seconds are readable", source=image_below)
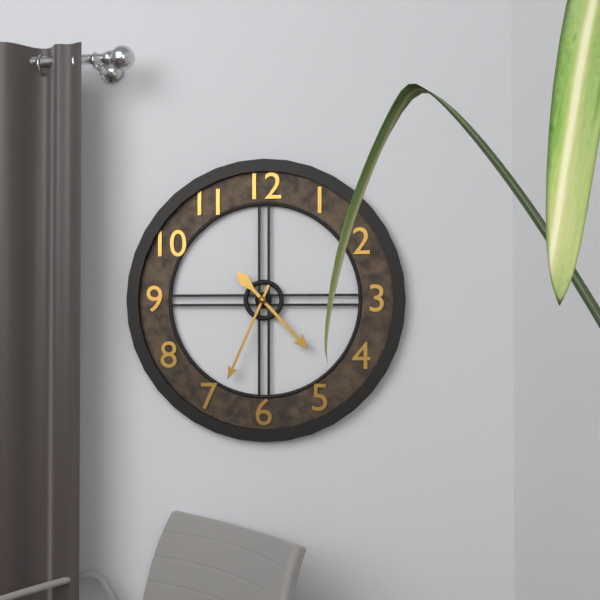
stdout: h=4 m=34
